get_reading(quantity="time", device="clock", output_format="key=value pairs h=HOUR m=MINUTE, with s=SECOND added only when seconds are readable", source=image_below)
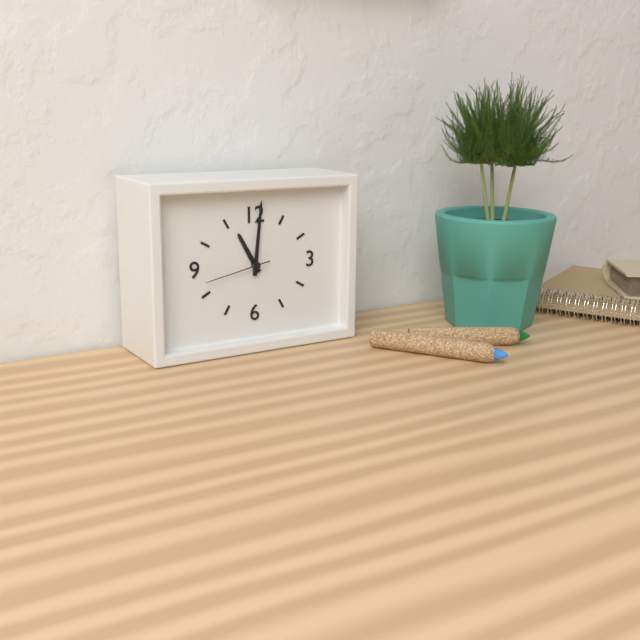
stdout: h=11 m=1 s=43
